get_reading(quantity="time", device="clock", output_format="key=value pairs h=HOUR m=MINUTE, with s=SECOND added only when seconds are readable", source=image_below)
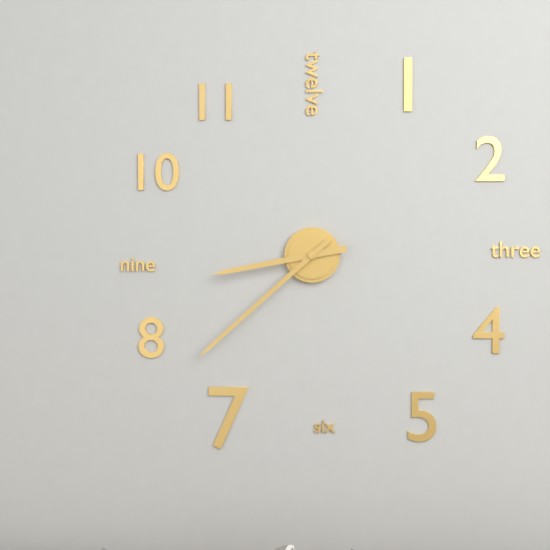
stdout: h=8 m=38
